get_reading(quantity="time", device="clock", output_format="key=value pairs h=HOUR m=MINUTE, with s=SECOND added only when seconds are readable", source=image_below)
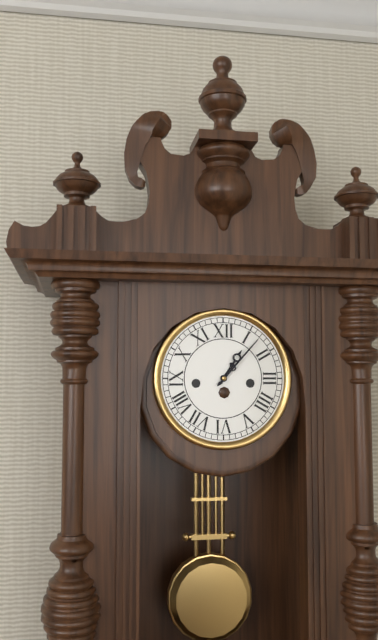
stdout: h=1 m=7
